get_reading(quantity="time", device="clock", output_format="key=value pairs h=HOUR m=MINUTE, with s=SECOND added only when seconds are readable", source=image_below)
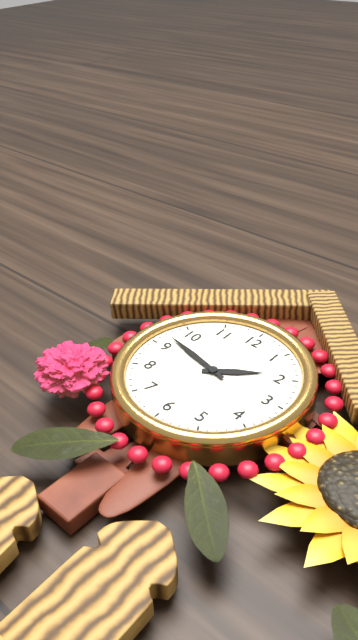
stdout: h=1 m=47
